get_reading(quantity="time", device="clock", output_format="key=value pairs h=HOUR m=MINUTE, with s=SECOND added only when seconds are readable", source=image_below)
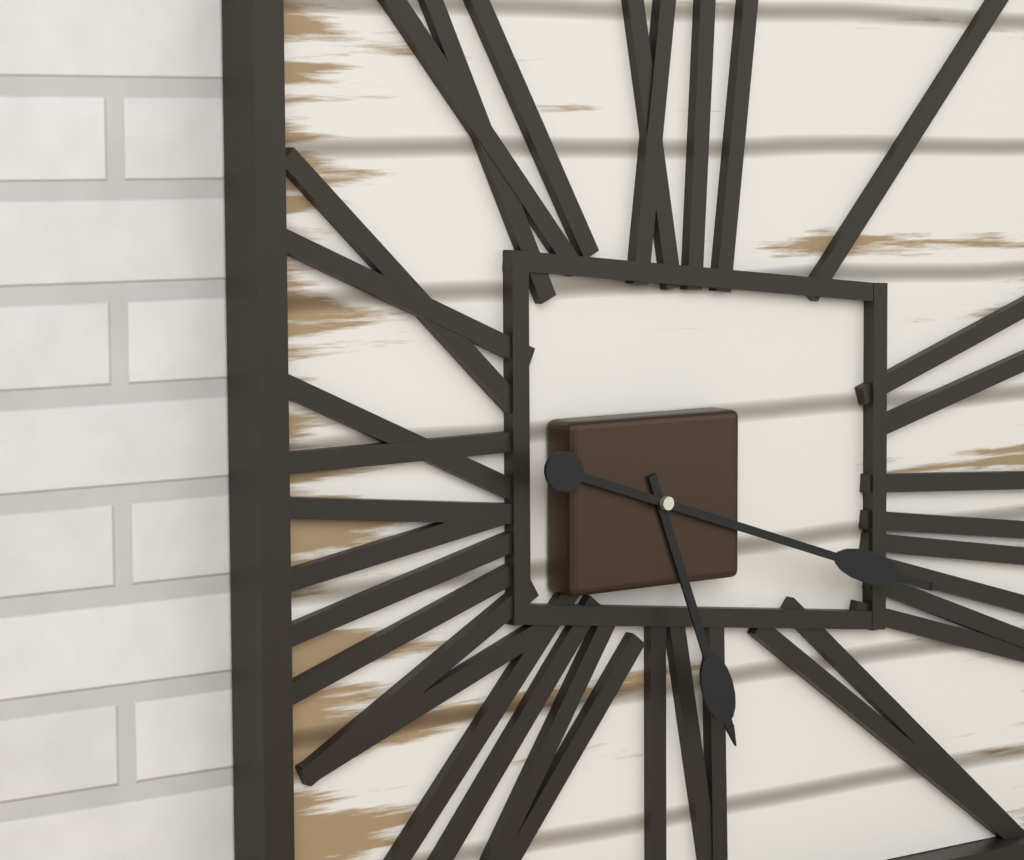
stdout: h=5 m=18
